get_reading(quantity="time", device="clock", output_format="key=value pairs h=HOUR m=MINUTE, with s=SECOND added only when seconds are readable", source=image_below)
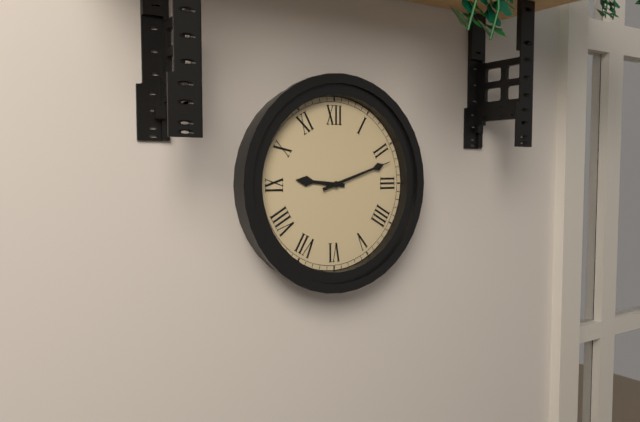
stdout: h=9 m=12
